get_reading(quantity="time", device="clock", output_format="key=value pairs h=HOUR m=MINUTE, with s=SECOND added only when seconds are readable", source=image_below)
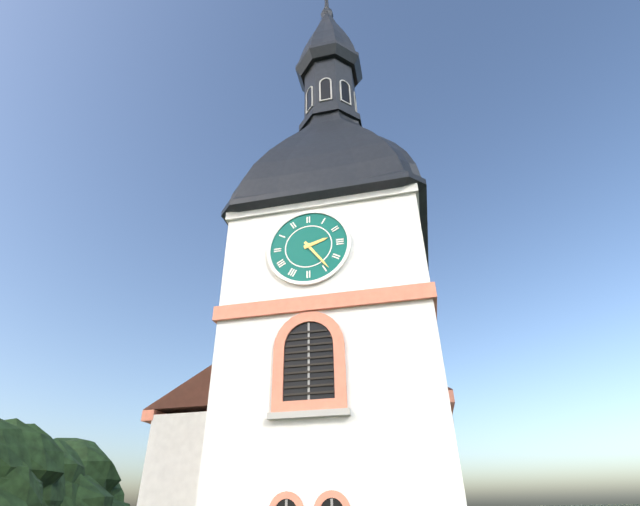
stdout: h=2 m=24
